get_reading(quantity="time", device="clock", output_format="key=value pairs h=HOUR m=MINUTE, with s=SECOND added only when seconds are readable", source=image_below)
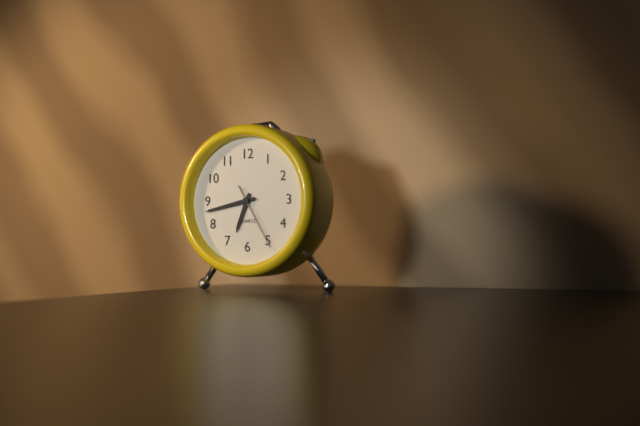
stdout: h=6 m=43 s=25
